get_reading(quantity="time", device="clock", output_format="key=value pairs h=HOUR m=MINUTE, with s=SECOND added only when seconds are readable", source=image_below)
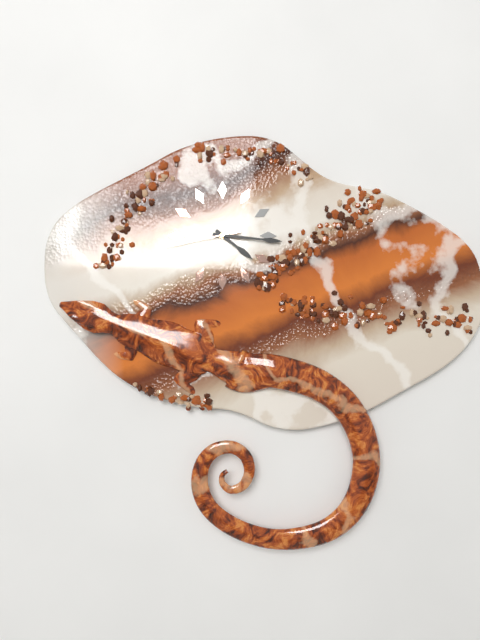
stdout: h=4 m=16 s=43
